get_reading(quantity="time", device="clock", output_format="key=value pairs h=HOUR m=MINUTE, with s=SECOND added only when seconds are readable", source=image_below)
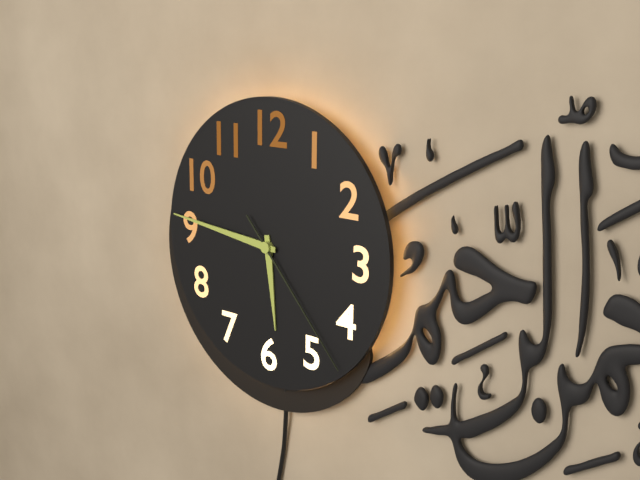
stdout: h=5 m=46 s=23
